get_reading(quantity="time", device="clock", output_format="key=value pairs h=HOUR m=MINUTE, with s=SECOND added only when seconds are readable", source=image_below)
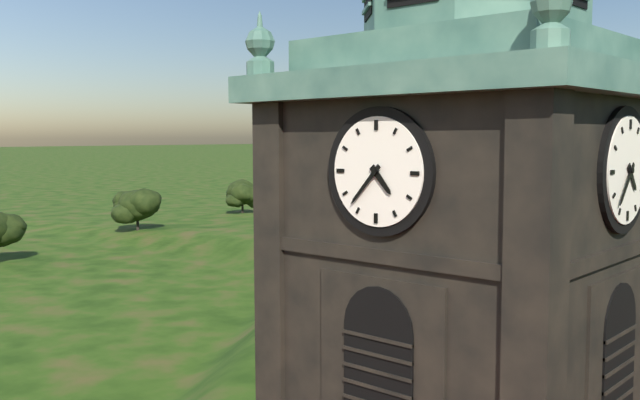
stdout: h=4 m=37
